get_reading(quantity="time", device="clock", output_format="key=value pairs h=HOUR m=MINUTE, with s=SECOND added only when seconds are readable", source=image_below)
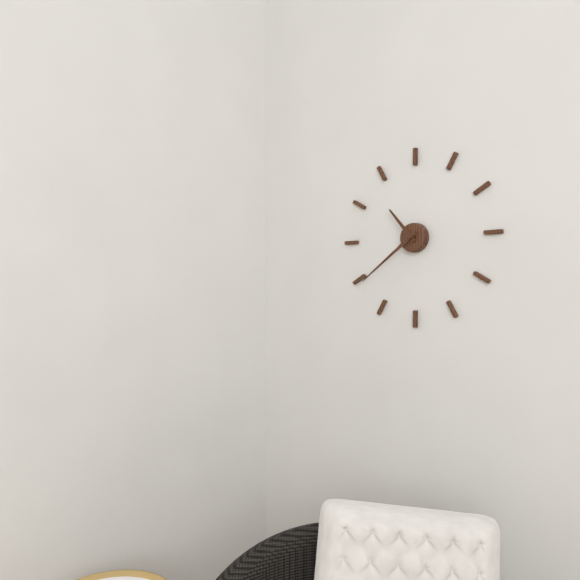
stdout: h=10 m=39
